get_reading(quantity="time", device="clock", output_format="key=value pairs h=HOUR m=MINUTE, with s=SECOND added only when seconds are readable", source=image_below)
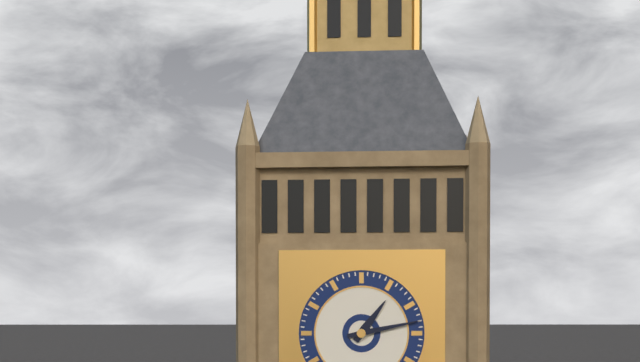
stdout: h=1 m=13
